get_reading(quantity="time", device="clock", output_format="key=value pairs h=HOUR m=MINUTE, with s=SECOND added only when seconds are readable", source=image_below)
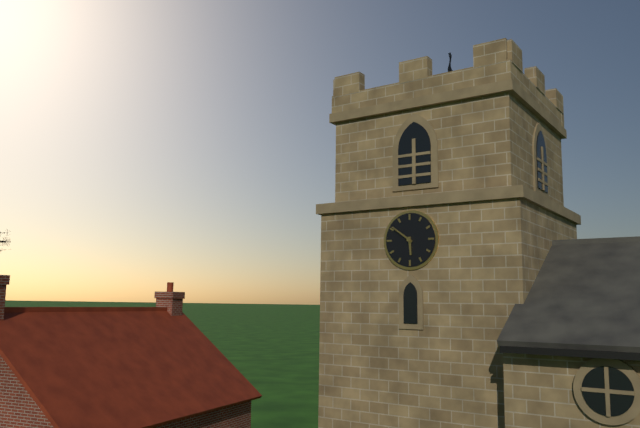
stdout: h=5 m=51
